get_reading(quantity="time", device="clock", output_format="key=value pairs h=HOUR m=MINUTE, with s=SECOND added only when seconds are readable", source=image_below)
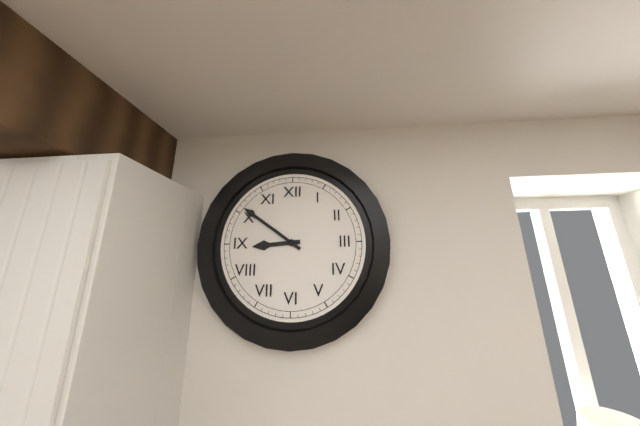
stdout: h=8 m=51
